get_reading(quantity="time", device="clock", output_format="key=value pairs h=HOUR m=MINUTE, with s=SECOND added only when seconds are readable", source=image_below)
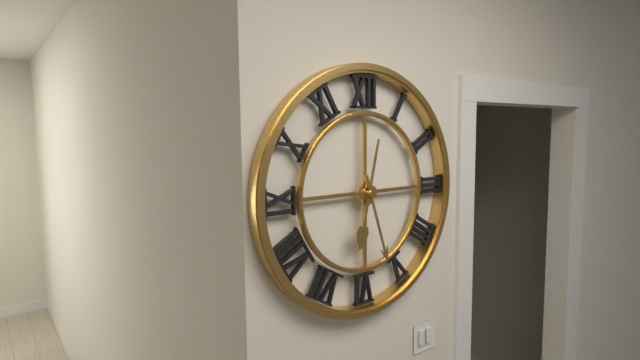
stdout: h=6 m=27
